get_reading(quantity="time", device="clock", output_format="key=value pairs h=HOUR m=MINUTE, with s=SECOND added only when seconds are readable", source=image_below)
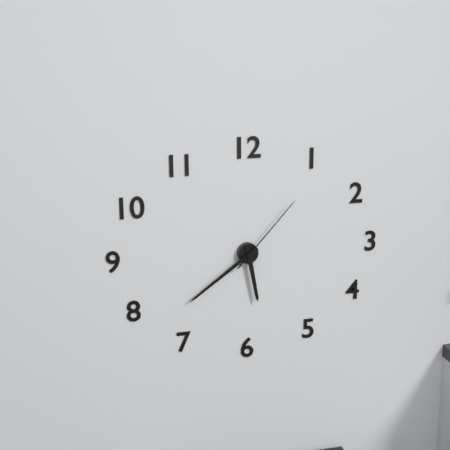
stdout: h=5 m=39 s=7
